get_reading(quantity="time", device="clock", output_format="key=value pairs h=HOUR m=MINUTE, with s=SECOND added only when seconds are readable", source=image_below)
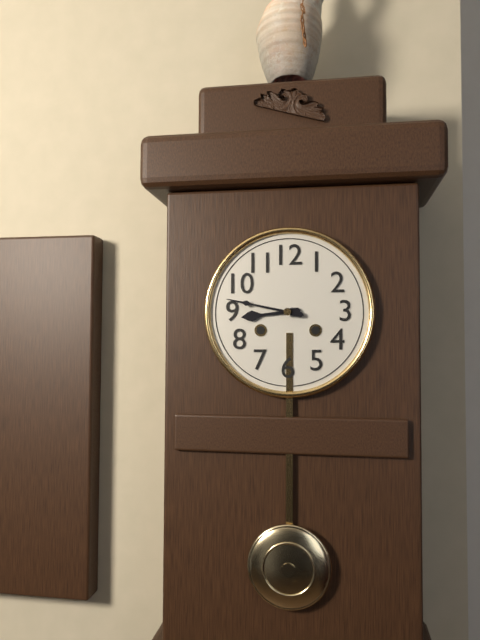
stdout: h=8 m=47
